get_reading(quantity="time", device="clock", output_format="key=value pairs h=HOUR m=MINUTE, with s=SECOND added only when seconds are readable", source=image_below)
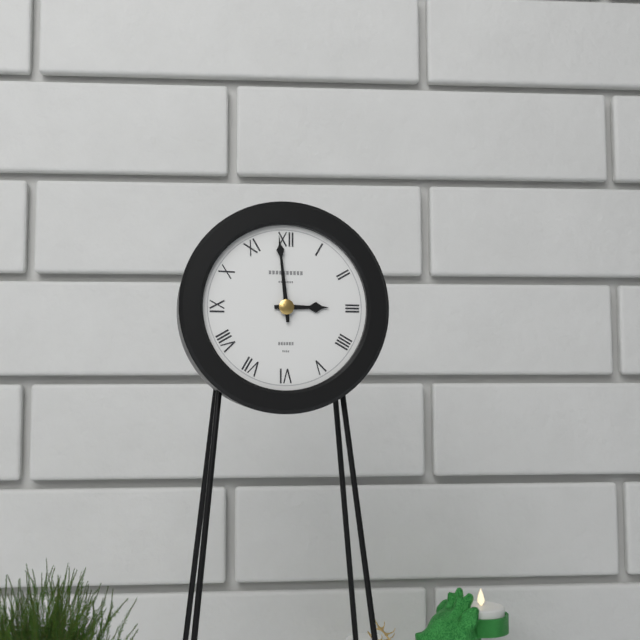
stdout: h=2 m=59
